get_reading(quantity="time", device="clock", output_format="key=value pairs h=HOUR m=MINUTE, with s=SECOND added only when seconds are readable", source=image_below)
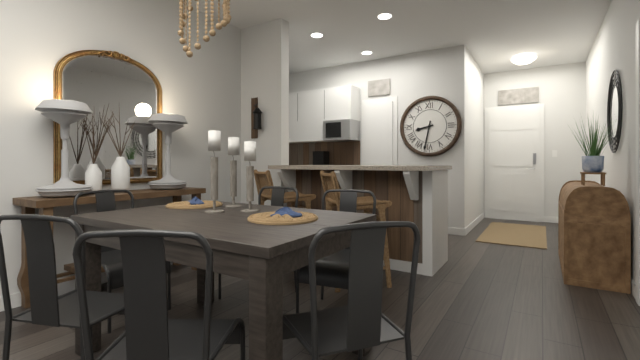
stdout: h=8 m=32
